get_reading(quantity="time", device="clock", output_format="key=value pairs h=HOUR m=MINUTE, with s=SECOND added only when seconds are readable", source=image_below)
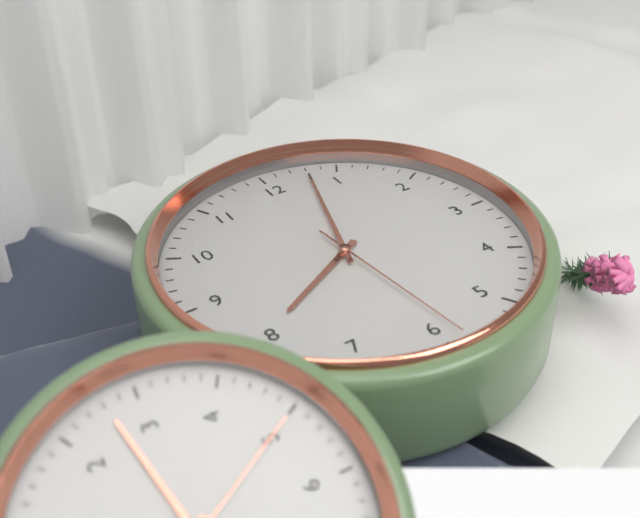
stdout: h=8 m=3 s=29
